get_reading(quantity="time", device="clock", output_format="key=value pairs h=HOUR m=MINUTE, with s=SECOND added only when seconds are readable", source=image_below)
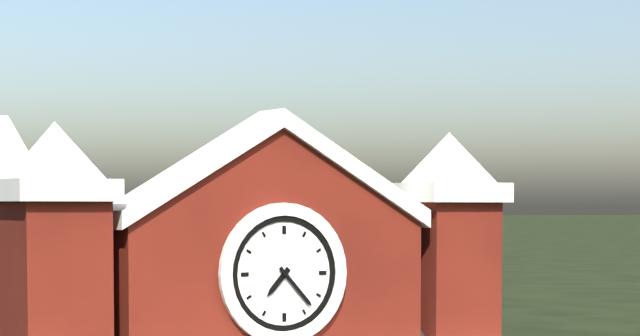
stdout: h=7 m=23
